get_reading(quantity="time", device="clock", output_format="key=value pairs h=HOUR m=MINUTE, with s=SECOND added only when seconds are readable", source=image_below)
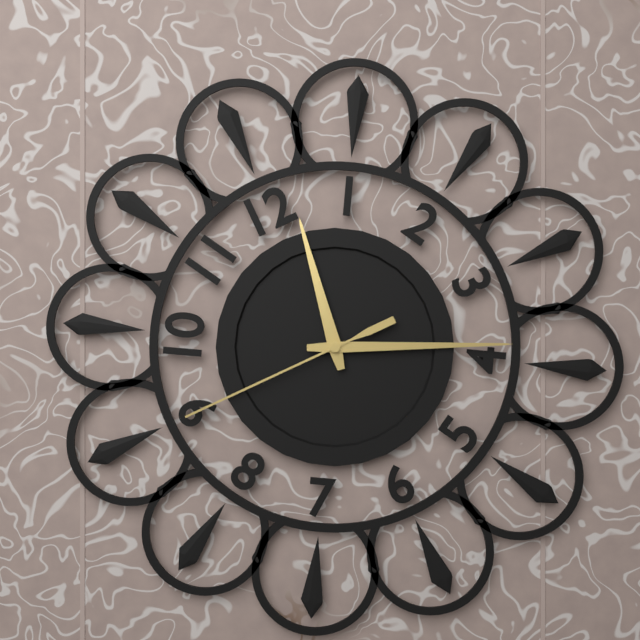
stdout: h=12 m=19 s=45
